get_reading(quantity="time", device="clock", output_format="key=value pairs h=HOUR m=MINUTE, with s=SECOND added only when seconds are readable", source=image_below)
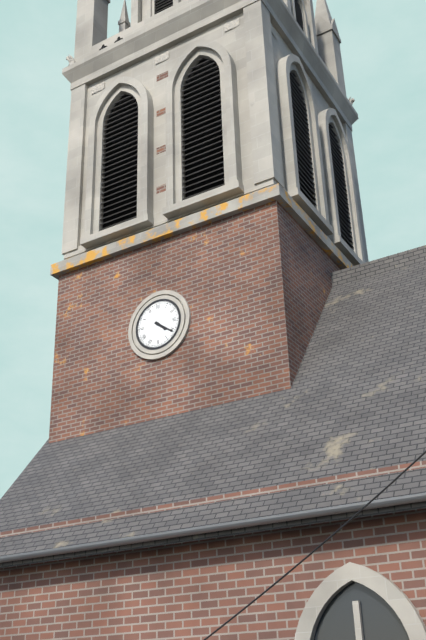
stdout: h=4 m=21
